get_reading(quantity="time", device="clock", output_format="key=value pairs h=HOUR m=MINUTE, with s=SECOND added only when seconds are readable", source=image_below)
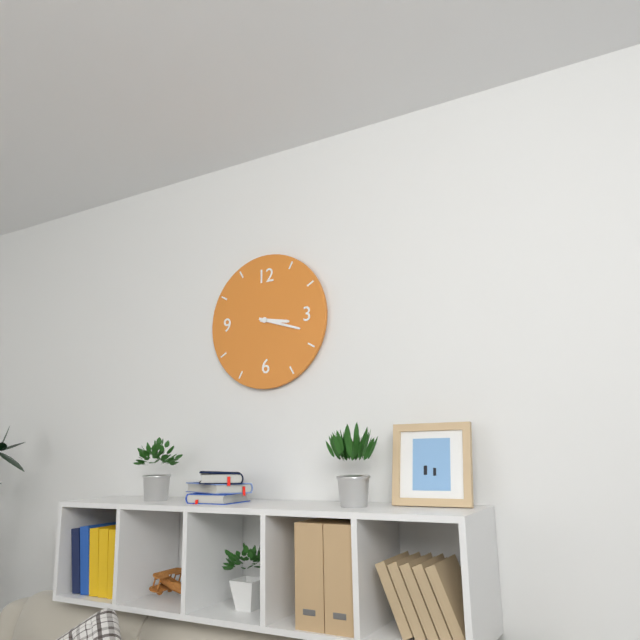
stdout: h=3 m=18
